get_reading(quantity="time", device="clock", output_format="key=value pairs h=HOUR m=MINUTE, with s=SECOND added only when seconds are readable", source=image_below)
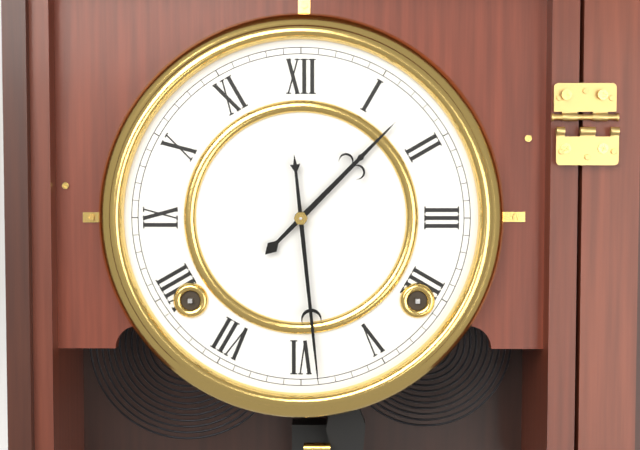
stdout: h=1 m=29
